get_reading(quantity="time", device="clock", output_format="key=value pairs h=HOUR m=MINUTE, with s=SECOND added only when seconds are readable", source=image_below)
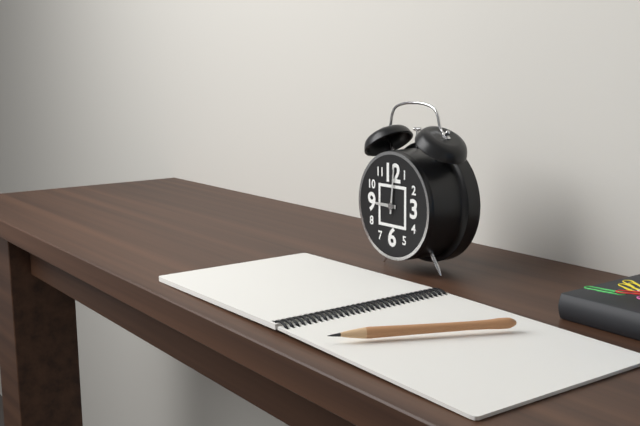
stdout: h=9 m=1
